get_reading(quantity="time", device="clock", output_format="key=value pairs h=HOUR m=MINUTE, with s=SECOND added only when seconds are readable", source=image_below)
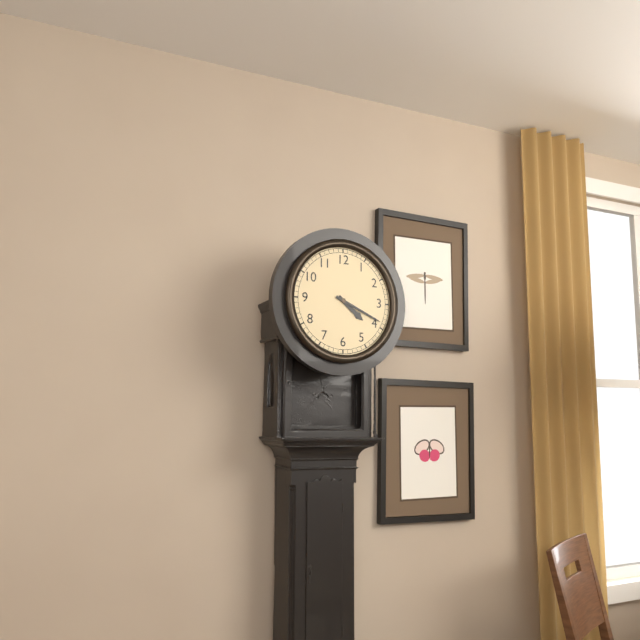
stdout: h=4 m=19
